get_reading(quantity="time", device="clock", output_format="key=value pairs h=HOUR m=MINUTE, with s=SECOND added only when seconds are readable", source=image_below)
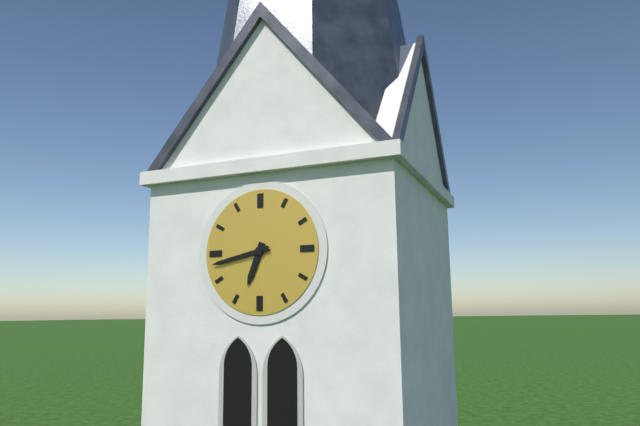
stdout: h=6 m=43
